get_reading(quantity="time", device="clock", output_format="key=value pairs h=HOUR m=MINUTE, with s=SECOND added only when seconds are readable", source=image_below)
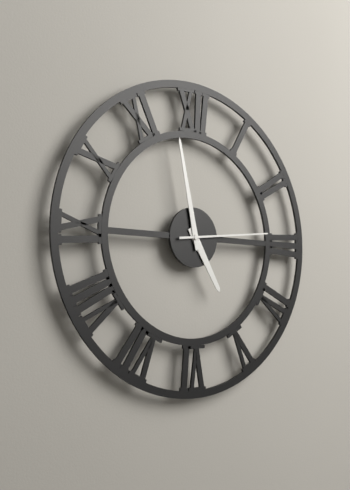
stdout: h=4 m=58 s=14
